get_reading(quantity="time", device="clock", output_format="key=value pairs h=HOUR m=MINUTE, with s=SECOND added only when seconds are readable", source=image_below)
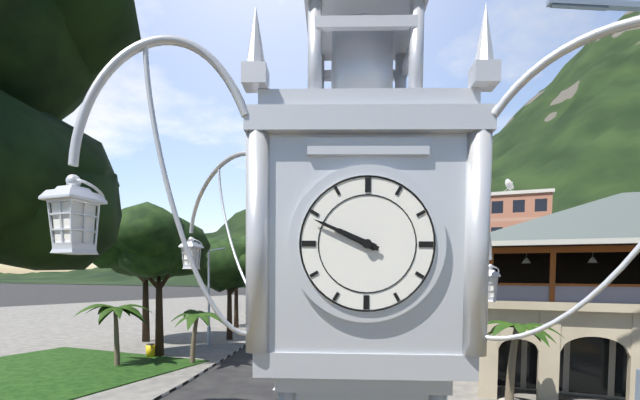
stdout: h=9 m=49
